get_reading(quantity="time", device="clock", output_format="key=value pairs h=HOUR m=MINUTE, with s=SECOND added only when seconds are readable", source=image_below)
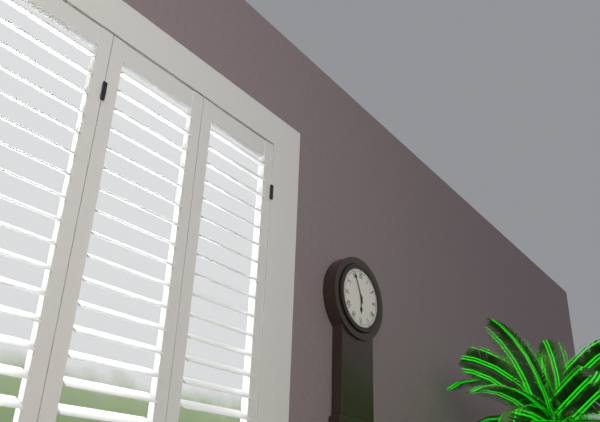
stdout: h=5 m=56
